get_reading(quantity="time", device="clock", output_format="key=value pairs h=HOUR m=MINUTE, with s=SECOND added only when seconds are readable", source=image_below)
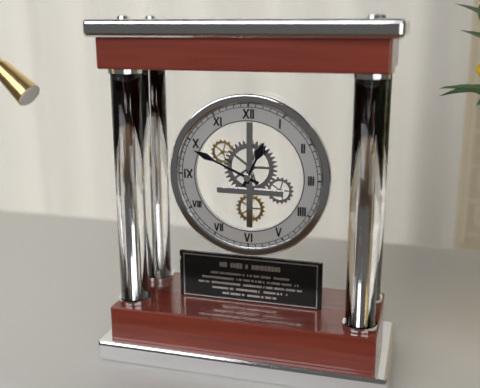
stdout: h=12 m=49
